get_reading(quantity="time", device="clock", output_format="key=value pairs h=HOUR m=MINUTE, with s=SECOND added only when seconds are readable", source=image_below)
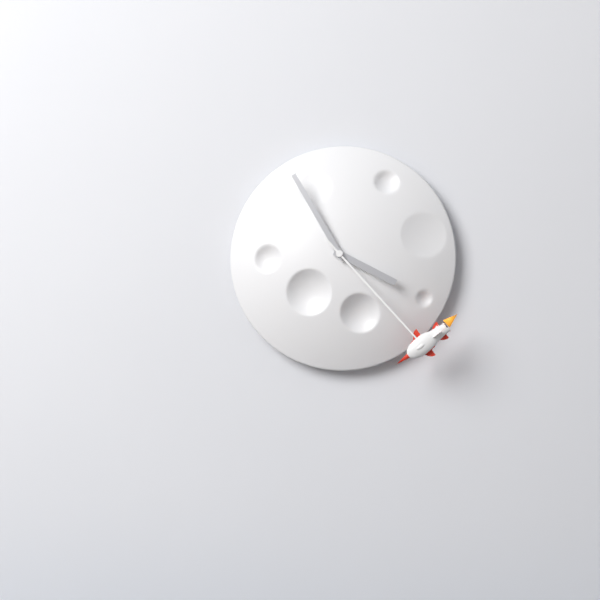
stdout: h=3 m=55 s=23
